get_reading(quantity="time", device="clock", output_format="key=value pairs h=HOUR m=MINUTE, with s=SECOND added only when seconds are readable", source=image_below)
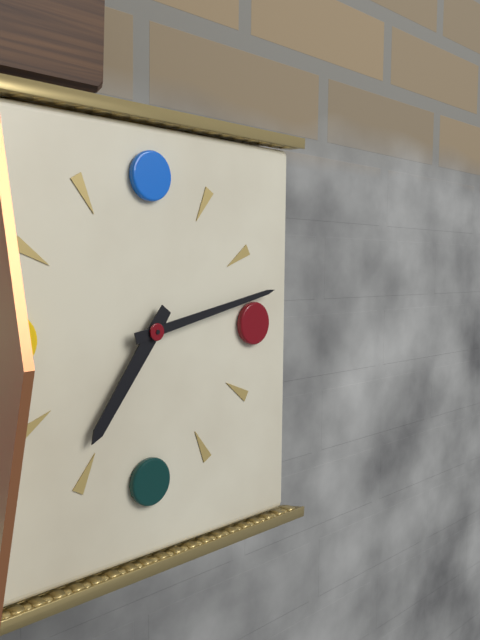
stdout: h=7 m=13
